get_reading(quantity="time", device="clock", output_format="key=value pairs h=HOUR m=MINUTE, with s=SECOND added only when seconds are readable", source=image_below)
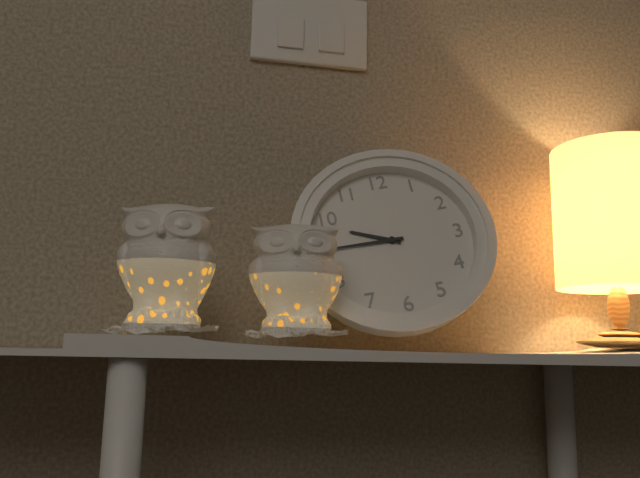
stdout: h=9 m=45
